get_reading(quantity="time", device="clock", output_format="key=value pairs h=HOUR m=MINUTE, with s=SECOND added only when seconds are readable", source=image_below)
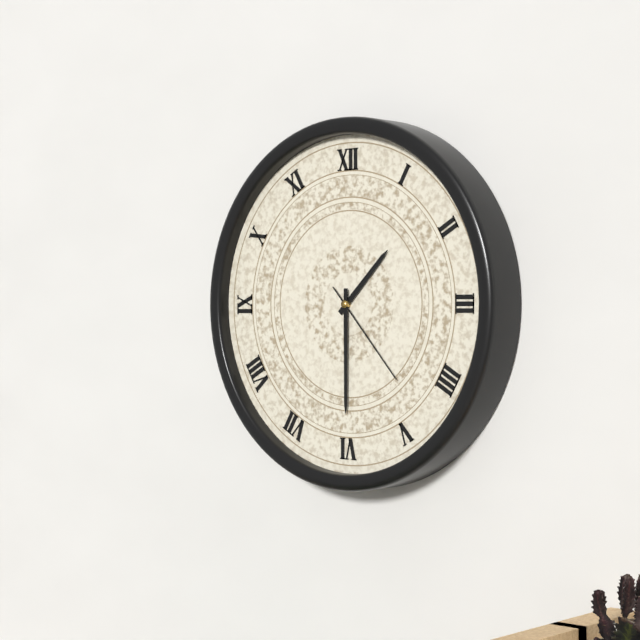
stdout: h=1 m=30 s=23
